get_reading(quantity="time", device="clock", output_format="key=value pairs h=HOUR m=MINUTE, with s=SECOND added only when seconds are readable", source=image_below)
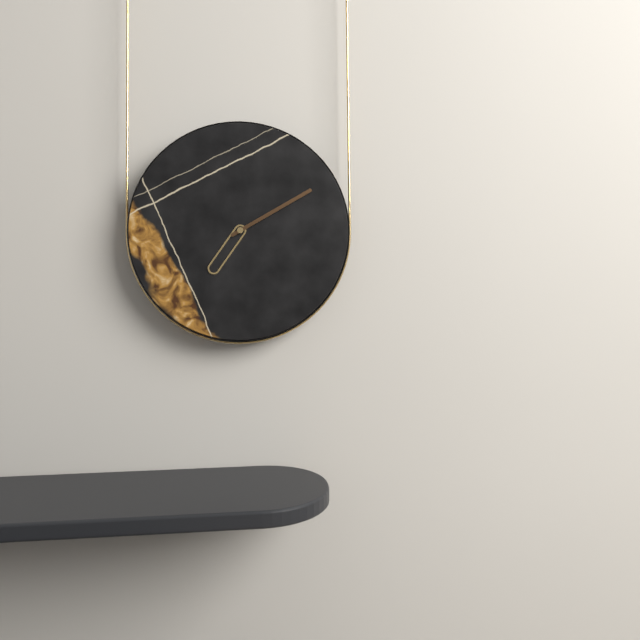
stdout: h=7 m=10
